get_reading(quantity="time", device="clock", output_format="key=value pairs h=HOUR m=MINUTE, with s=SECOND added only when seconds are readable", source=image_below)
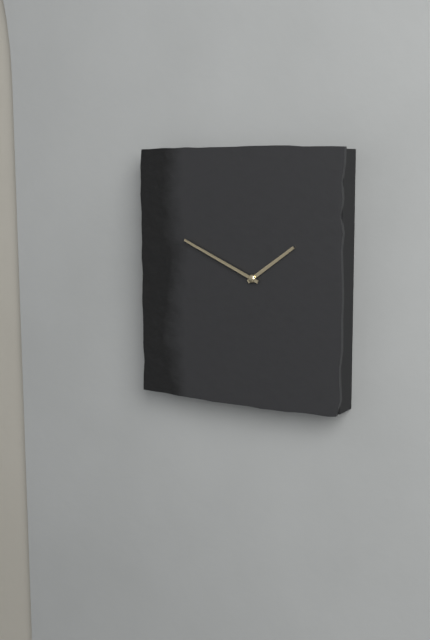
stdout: h=1 m=49
